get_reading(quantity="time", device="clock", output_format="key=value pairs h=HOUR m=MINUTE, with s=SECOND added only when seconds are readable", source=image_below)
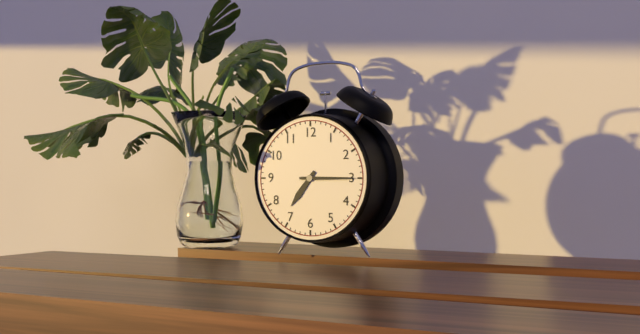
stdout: h=7 m=15
